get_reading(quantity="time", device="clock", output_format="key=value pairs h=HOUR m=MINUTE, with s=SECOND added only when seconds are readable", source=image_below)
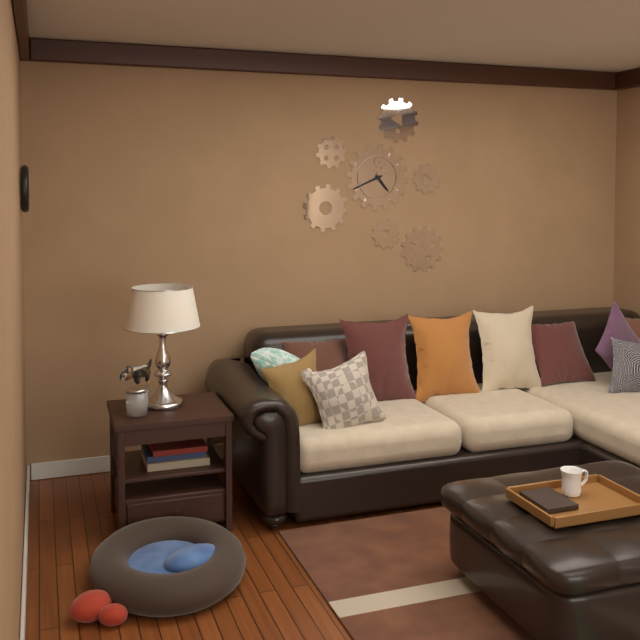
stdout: h=4 m=41
